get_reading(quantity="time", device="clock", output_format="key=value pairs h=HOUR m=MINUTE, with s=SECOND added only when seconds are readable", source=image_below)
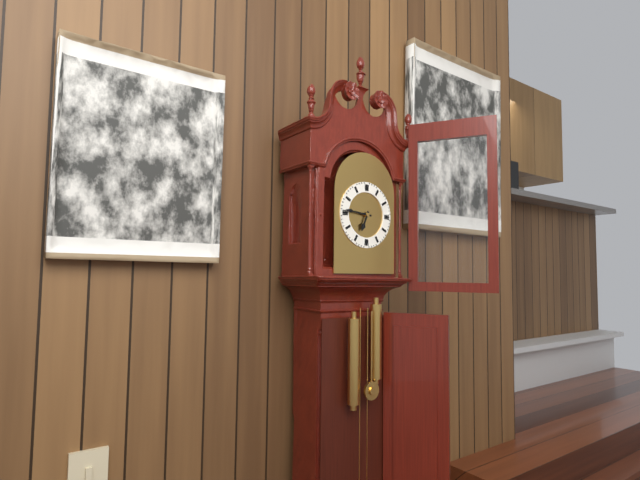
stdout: h=6 m=46
